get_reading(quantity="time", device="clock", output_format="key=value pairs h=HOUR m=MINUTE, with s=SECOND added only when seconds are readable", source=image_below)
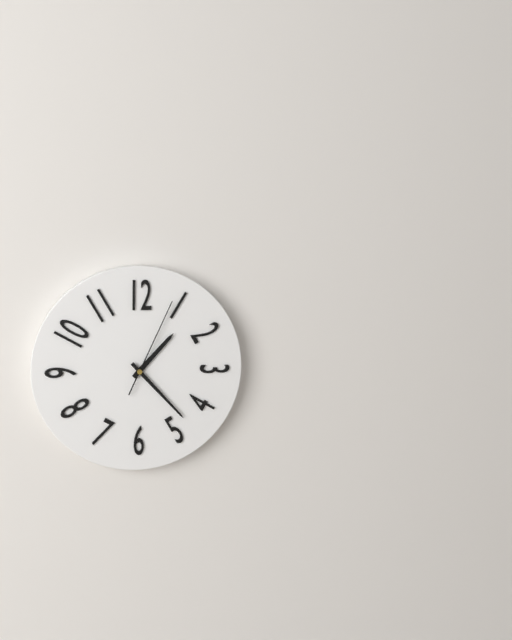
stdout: h=1 m=23 s=4
